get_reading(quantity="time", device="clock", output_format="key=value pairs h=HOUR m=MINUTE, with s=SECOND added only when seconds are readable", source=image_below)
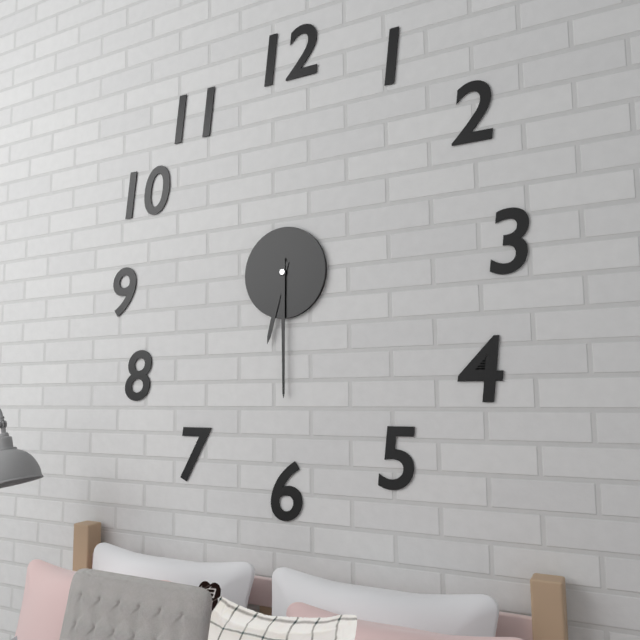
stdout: h=6 m=30
